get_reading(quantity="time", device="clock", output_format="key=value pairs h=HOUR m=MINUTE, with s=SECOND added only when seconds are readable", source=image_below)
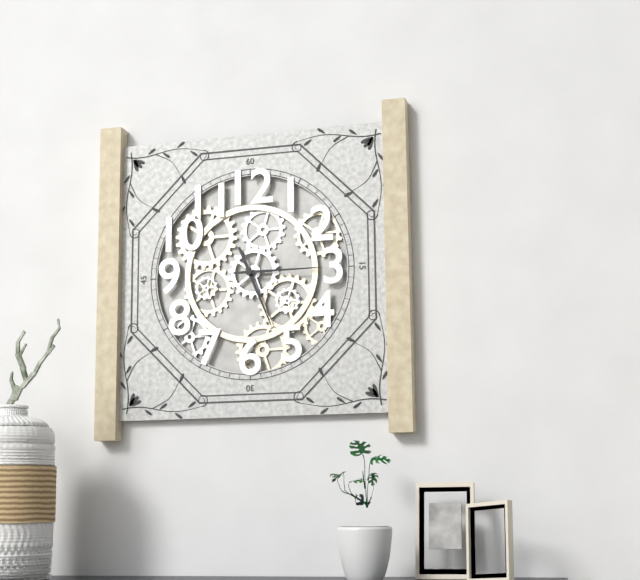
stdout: h=5 m=15
